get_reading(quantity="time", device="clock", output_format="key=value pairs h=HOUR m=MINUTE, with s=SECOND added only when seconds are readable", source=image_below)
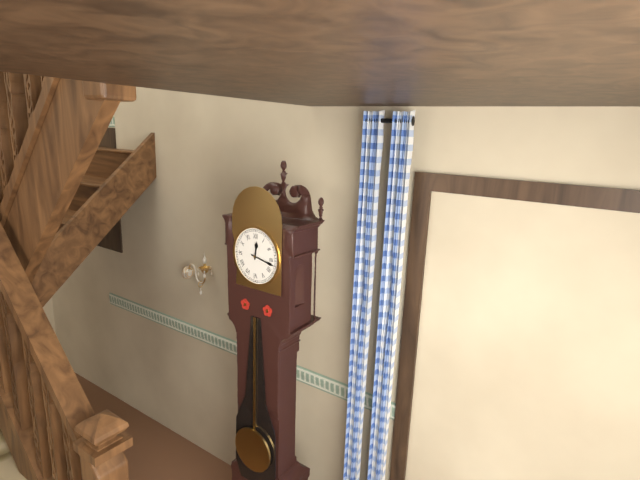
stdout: h=12 m=17
